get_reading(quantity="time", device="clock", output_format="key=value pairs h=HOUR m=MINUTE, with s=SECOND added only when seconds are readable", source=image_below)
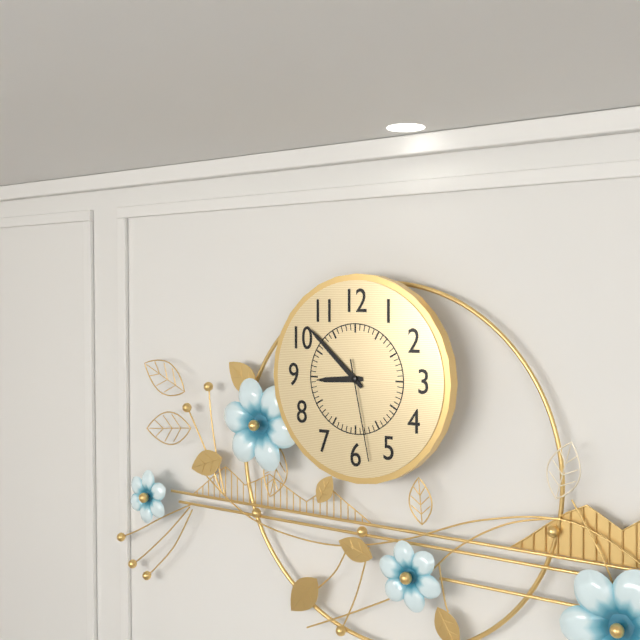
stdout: h=8 m=52 s=28
